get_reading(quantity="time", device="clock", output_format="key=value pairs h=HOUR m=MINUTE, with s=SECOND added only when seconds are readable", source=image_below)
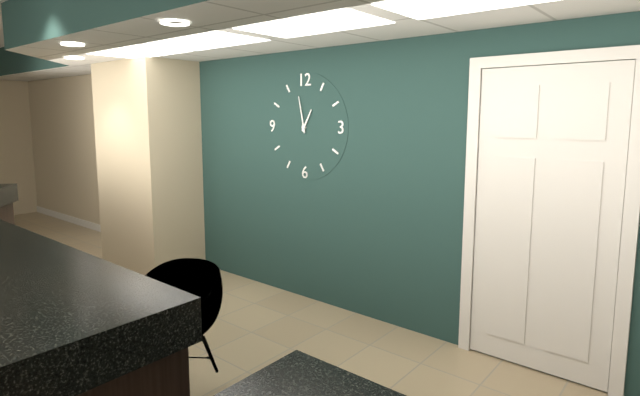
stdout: h=12 m=58
